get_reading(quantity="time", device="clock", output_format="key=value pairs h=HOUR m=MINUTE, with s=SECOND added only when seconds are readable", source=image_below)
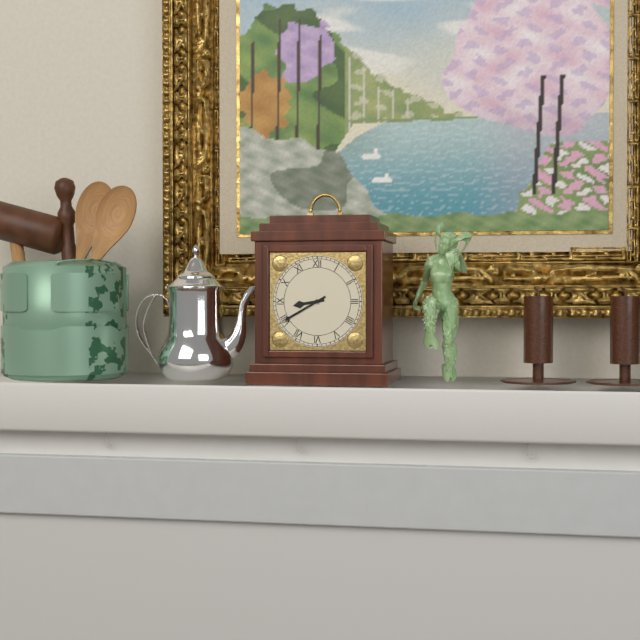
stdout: h=8 m=40
